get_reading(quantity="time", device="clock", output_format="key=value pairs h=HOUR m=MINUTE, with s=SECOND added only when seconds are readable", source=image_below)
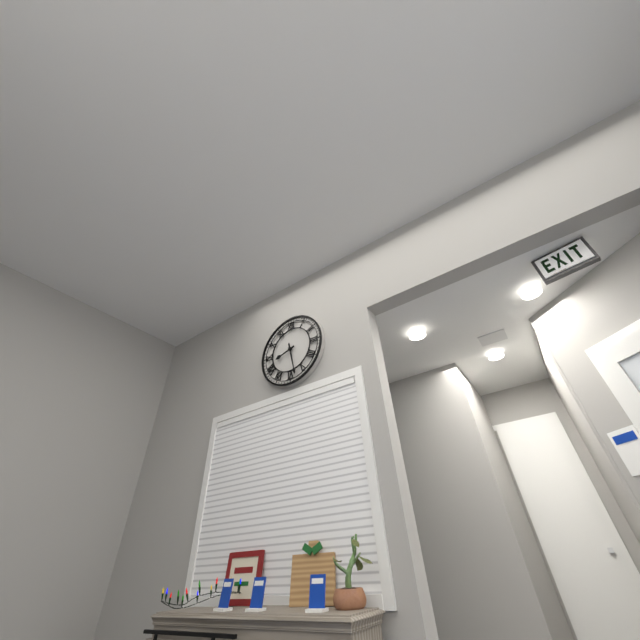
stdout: h=8 m=28
